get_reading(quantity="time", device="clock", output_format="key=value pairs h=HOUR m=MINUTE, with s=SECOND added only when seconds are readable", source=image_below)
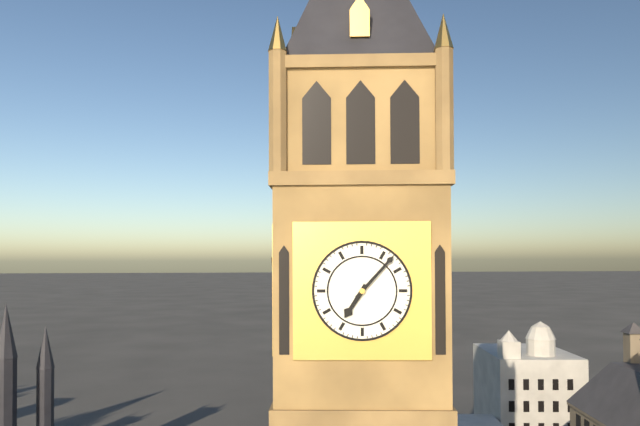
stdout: h=7 m=7
